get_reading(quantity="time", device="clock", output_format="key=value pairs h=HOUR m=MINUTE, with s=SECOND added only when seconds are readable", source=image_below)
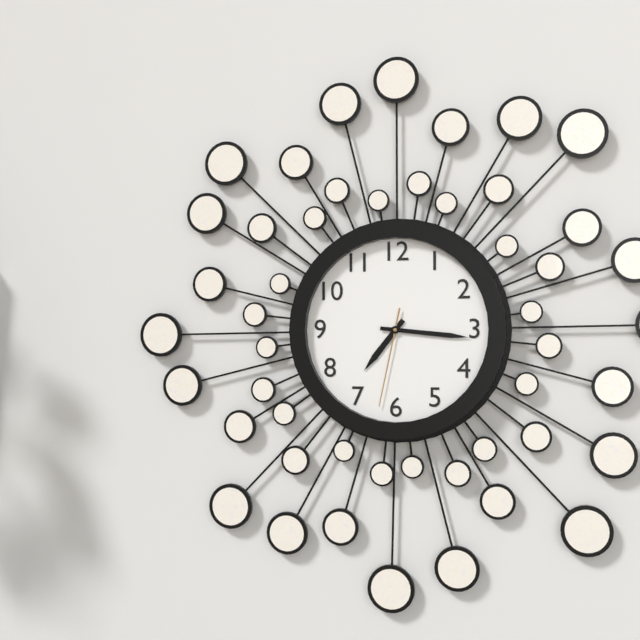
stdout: h=7 m=16 s=32
